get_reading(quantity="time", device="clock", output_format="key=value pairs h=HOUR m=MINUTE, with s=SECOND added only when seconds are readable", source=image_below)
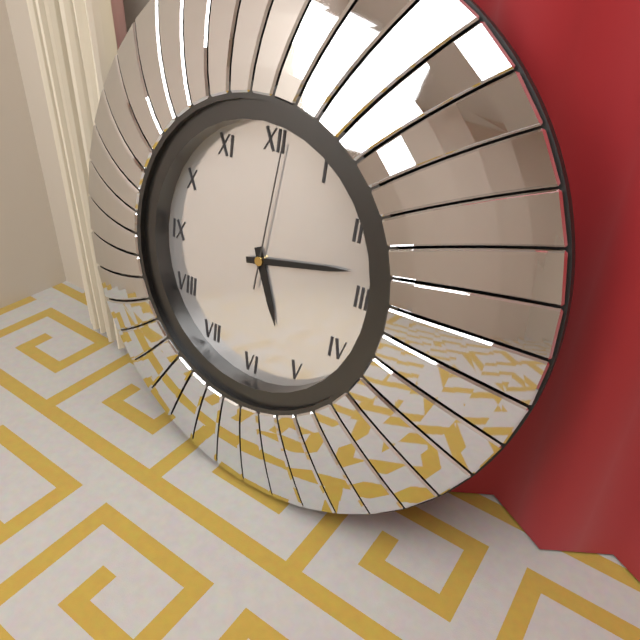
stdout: h=5 m=13 s=1
